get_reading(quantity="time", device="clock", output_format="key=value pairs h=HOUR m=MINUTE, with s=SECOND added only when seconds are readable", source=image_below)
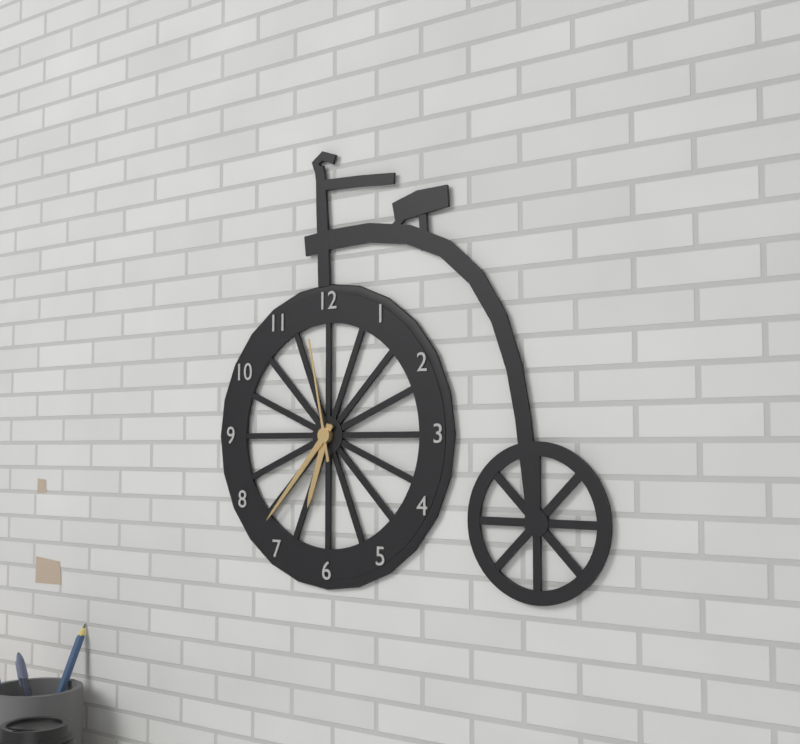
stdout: h=6 m=37 s=58
